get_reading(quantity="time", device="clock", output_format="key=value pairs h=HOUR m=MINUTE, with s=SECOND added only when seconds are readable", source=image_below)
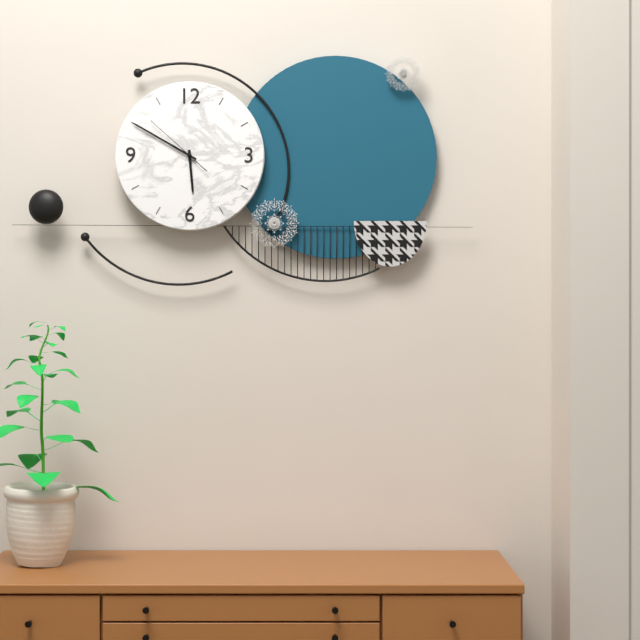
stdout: h=5 m=50 s=52
